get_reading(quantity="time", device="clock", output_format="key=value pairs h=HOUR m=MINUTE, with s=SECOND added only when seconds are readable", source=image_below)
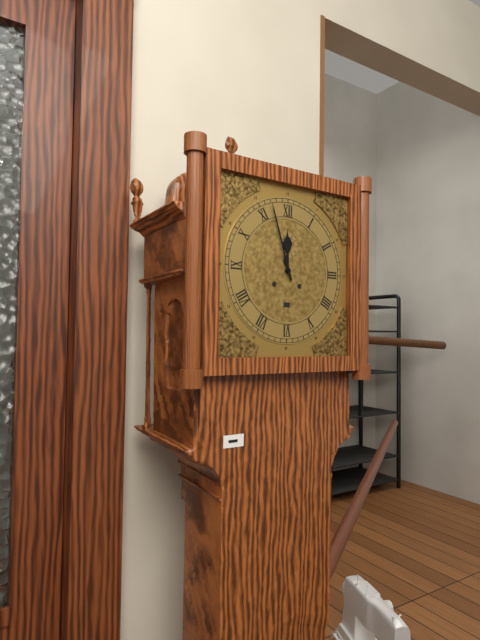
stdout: h=11 m=57
